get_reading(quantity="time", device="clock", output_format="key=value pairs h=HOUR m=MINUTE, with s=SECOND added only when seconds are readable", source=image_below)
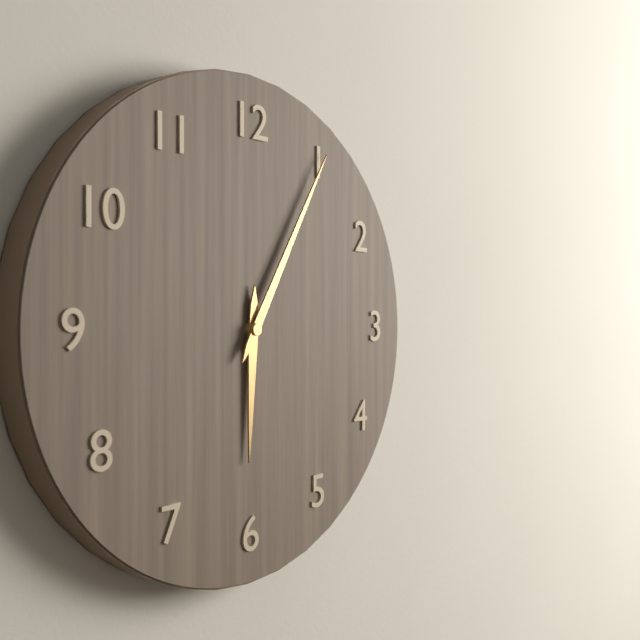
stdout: h=6 m=5
